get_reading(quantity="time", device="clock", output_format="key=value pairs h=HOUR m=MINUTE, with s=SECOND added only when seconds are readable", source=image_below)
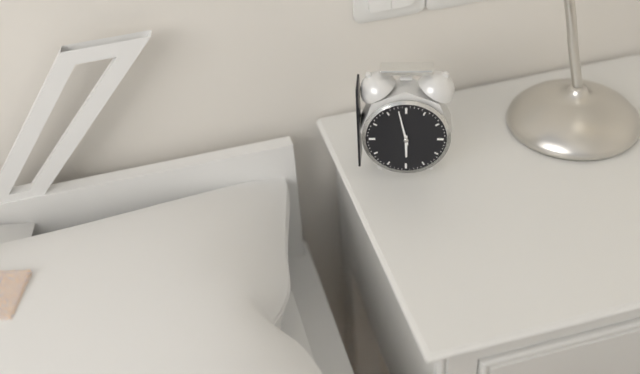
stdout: h=5 m=58
